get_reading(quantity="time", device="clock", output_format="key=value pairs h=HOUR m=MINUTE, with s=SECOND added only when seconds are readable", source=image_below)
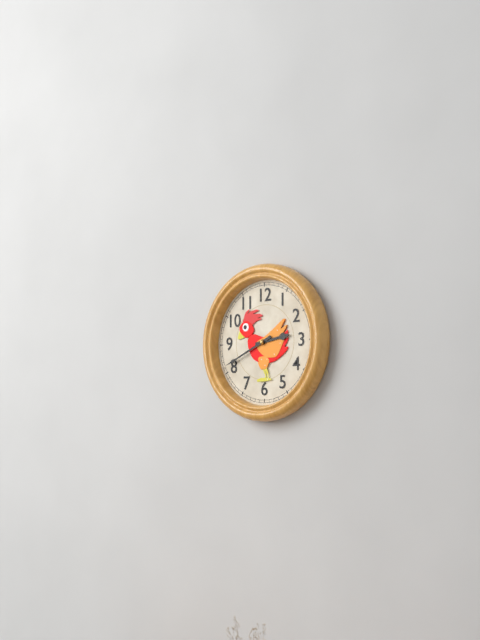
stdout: h=2 m=41
